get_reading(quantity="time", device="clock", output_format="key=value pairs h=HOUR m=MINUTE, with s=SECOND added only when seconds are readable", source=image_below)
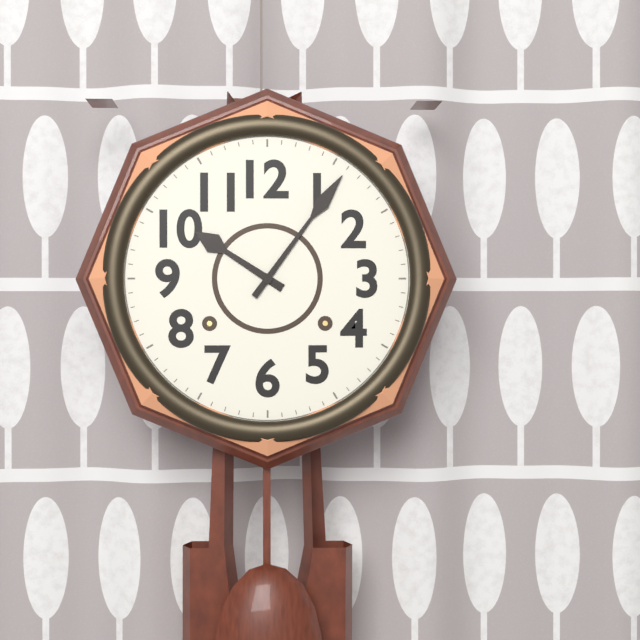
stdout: h=10 m=6
